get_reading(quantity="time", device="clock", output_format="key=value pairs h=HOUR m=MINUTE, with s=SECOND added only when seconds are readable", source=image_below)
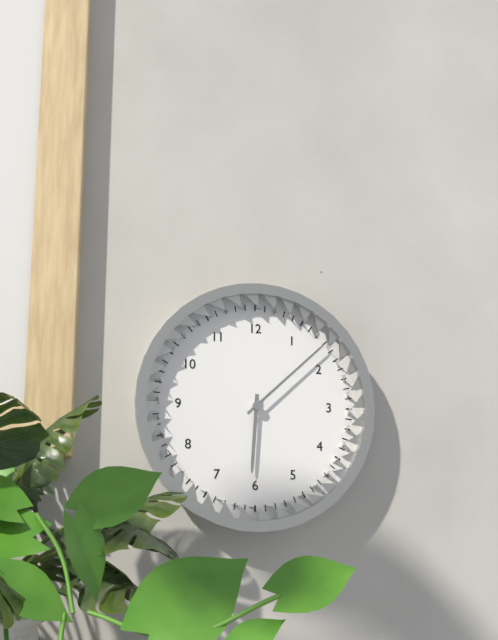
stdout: h=6 m=8
